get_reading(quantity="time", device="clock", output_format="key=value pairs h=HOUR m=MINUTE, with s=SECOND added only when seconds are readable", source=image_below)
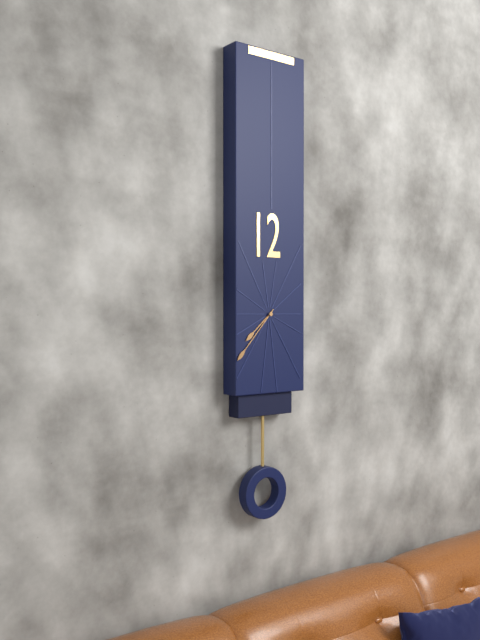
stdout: h=7 m=37
